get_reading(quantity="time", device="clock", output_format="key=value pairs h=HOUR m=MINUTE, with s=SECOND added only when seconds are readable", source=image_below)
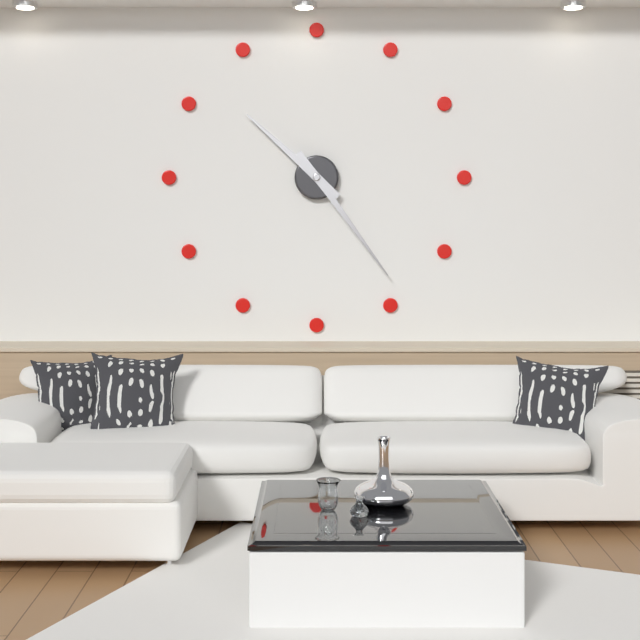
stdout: h=10 m=24
